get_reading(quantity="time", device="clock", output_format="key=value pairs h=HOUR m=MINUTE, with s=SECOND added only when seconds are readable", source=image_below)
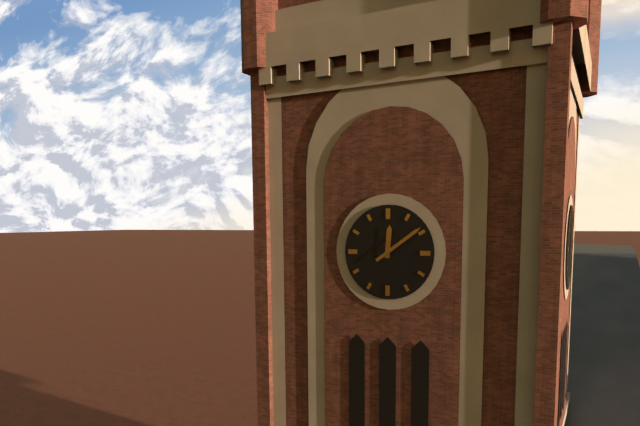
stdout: h=12 m=9
